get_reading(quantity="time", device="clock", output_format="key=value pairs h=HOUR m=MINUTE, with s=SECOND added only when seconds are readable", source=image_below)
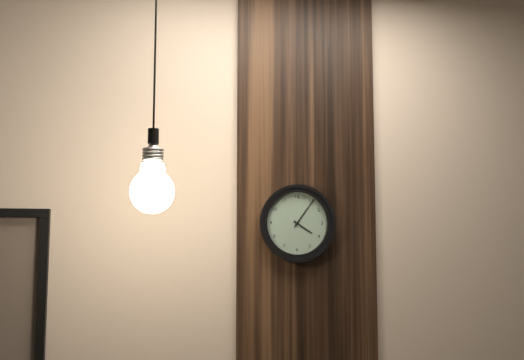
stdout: h=4 m=6
